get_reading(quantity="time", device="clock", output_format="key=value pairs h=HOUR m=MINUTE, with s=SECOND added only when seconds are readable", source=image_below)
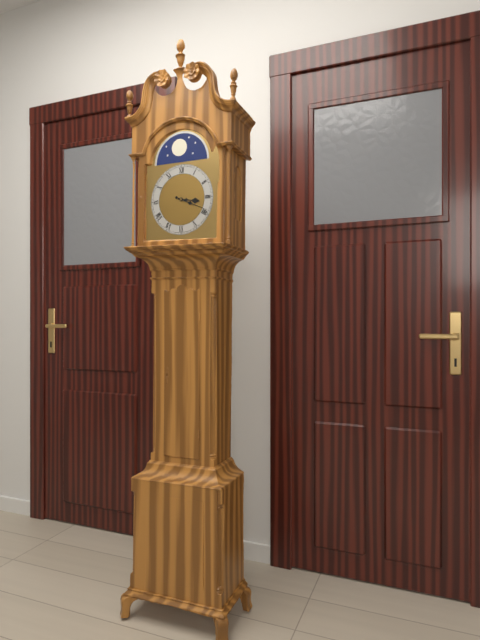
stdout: h=3 m=19
